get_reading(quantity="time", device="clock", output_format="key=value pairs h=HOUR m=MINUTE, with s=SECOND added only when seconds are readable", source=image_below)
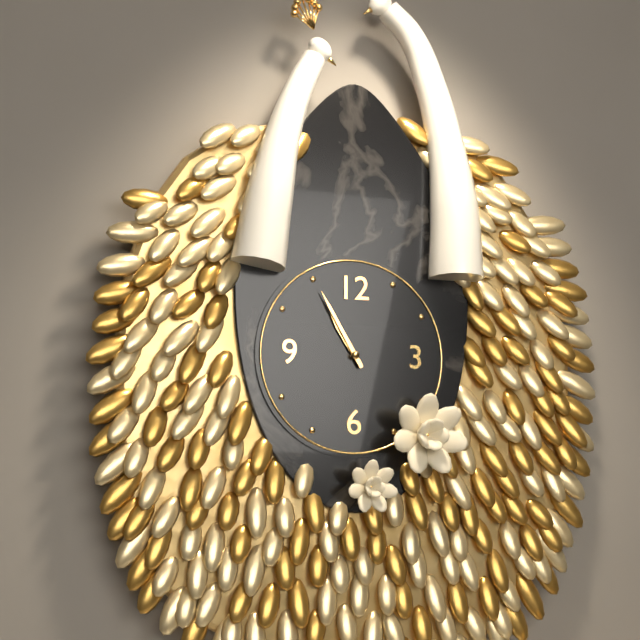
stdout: h=10 m=55
